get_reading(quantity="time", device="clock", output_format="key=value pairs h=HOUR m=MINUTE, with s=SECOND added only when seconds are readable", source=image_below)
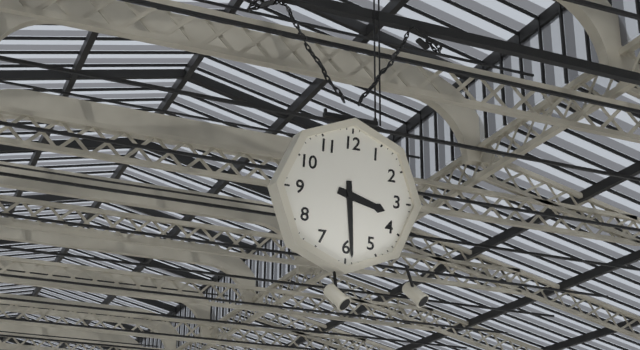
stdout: h=3 m=29
